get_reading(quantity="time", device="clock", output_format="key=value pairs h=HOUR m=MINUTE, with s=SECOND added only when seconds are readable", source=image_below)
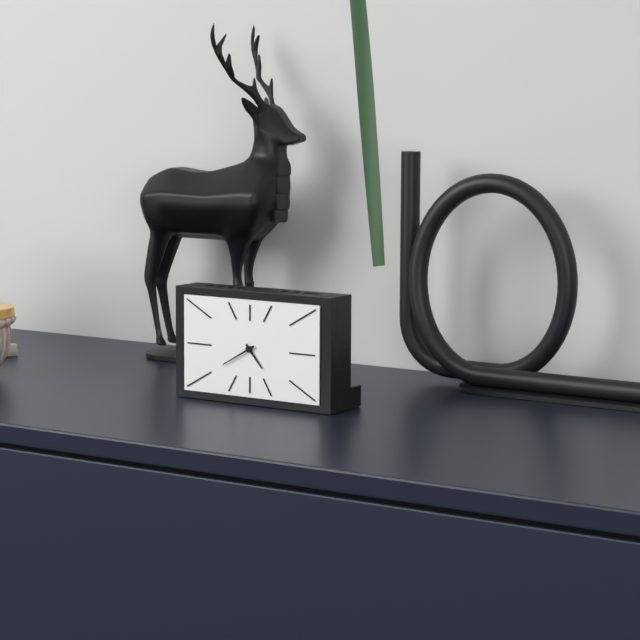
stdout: h=4 m=40
